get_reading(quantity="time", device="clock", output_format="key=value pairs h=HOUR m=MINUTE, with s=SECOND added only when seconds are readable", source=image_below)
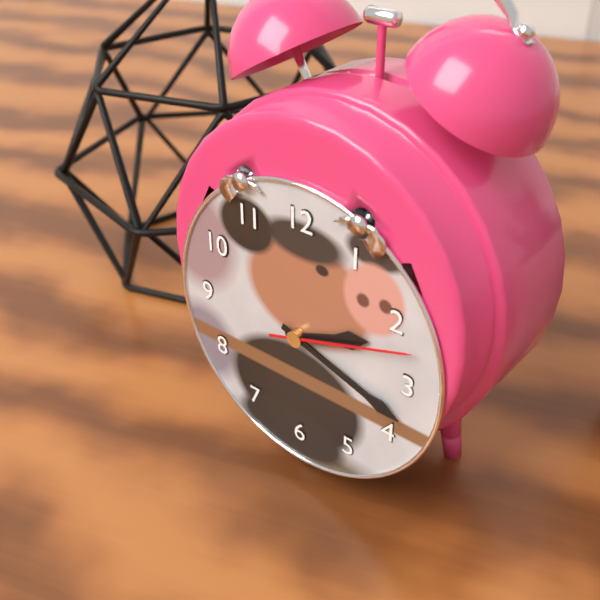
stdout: h=2 m=18 s=12
